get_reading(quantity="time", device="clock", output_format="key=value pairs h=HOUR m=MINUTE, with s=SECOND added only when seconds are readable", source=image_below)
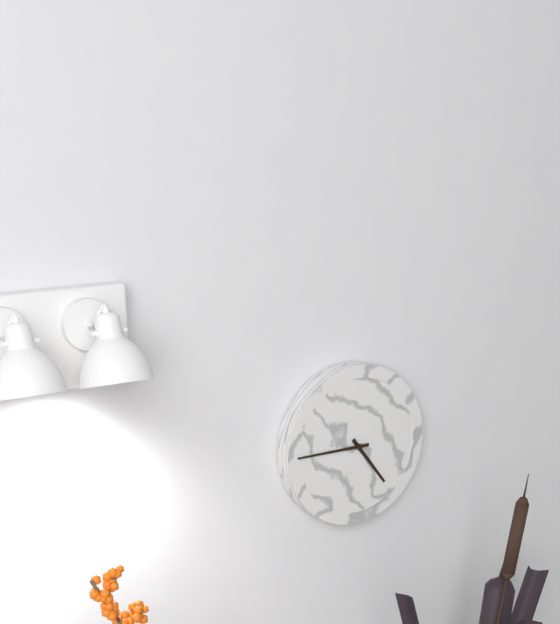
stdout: h=4 m=45
